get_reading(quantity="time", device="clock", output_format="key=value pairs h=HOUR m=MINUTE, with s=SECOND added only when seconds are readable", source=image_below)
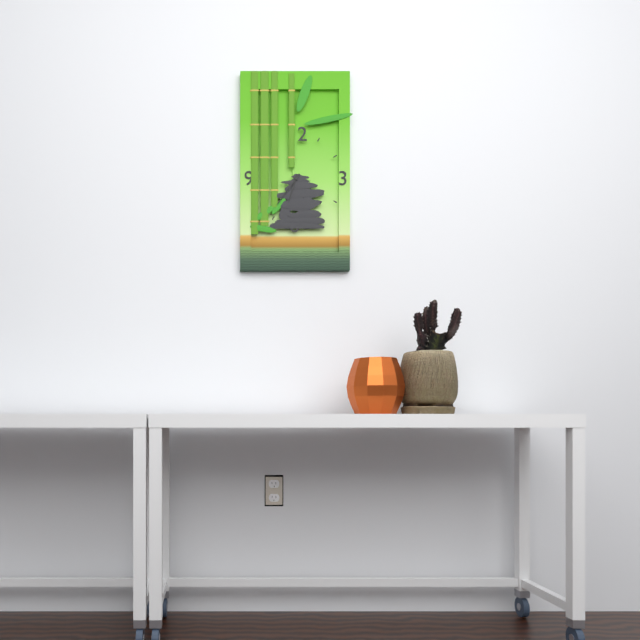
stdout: h=6 m=36
